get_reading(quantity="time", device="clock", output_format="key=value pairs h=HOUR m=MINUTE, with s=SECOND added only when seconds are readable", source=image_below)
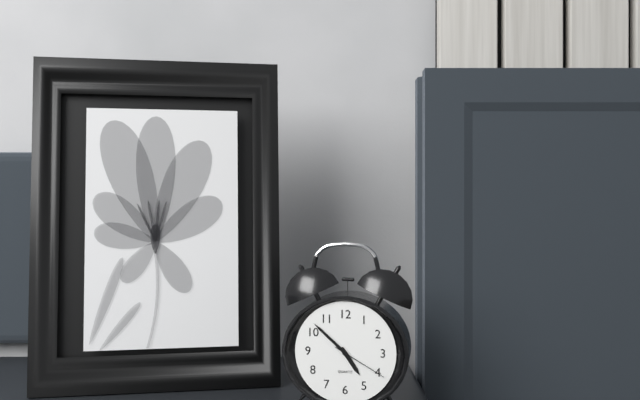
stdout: h=4 m=52 s=20
